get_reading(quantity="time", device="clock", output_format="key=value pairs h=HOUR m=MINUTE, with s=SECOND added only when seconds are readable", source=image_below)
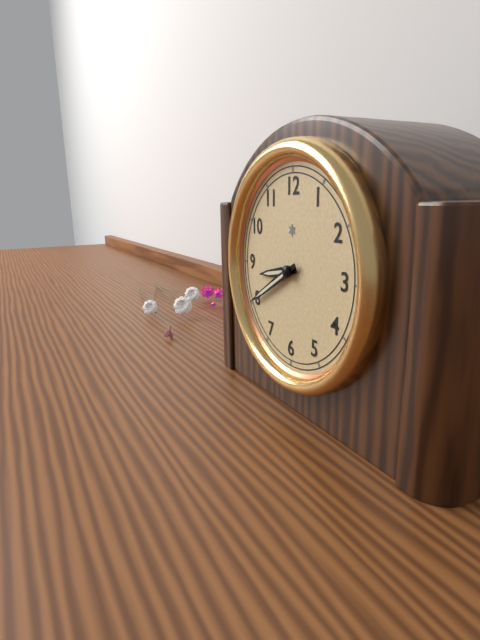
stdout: h=8 m=40
